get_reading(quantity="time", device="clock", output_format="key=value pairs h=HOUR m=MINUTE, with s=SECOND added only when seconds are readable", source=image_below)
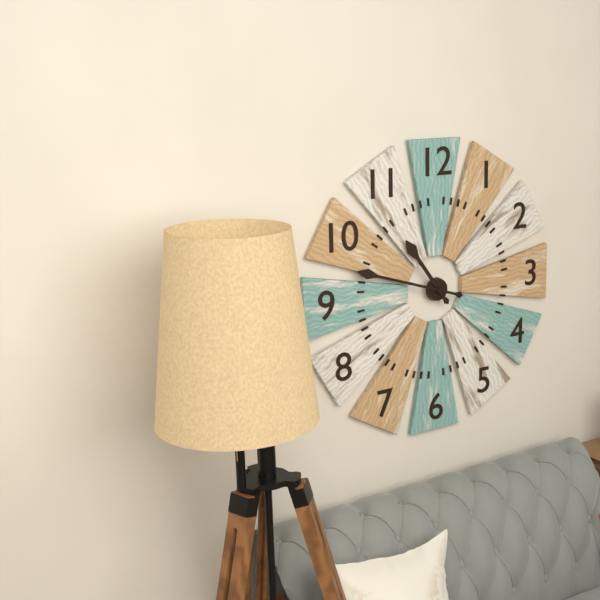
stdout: h=10 m=48
